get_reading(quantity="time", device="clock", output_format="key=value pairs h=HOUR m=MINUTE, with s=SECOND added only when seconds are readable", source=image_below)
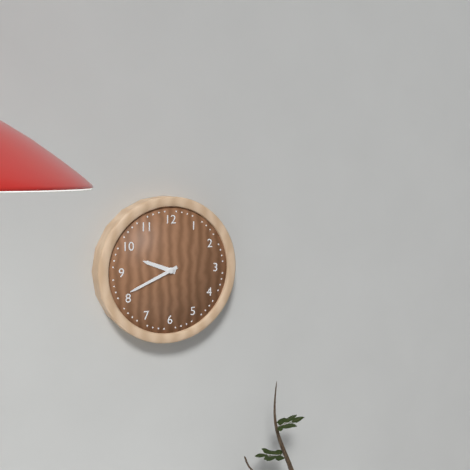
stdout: h=9 m=41
